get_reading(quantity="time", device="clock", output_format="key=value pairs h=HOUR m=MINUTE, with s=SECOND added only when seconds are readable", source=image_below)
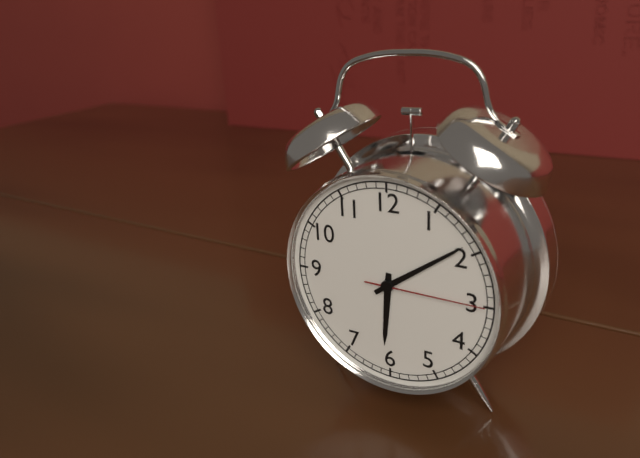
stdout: h=6 m=9 s=15
